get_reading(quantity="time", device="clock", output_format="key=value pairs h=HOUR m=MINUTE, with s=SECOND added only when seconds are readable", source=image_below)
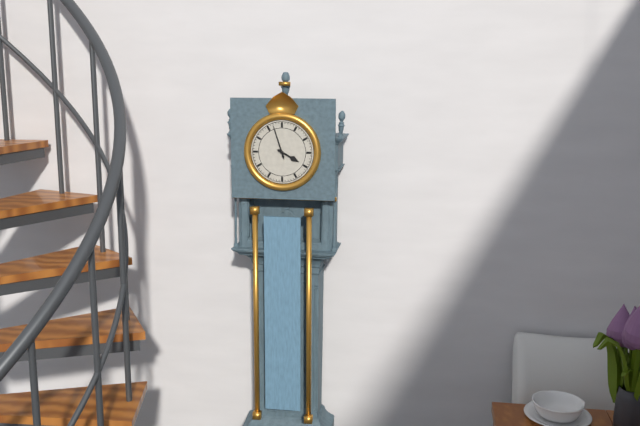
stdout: h=3 m=57
